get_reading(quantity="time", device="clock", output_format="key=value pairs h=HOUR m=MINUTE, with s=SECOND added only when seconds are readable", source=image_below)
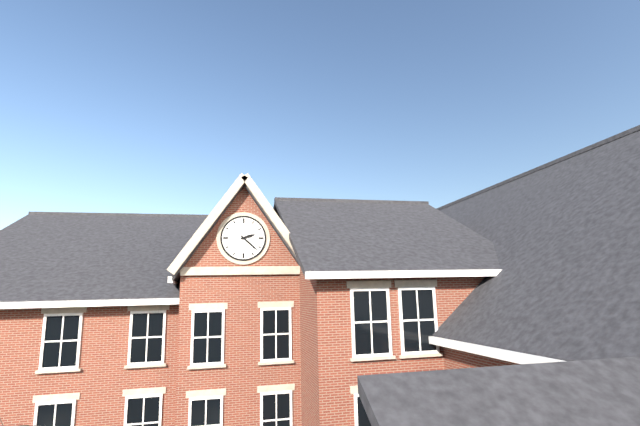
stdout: h=2 m=22
